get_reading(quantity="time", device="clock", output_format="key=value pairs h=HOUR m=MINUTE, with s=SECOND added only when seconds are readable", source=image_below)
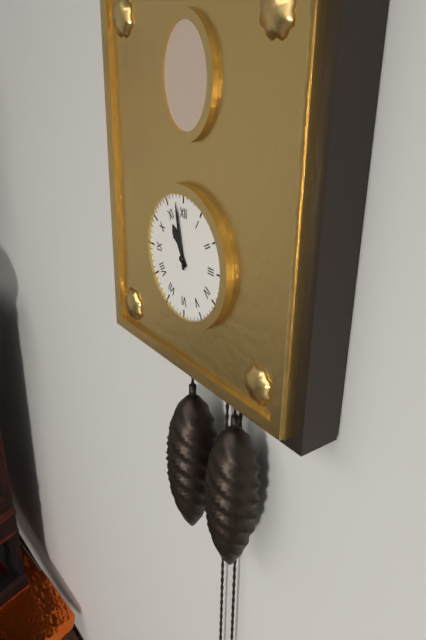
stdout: h=10 m=58
